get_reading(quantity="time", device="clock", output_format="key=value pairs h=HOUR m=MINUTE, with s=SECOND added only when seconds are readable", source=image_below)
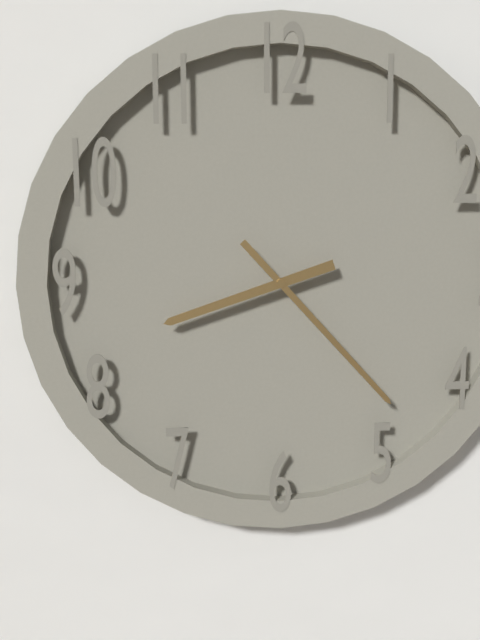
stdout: h=8 m=23
